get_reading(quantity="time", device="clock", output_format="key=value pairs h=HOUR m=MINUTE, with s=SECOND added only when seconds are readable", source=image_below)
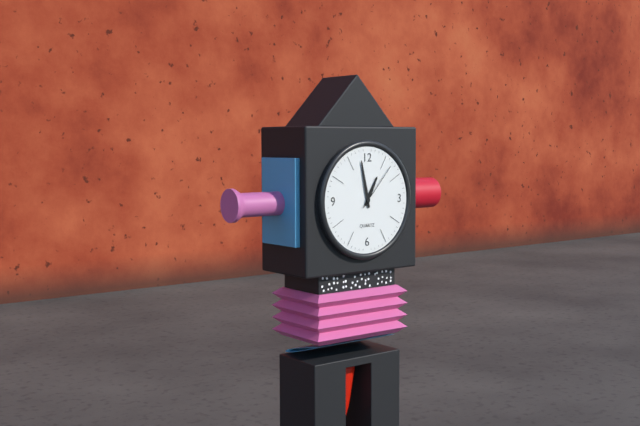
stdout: h=12 m=58 s=7
